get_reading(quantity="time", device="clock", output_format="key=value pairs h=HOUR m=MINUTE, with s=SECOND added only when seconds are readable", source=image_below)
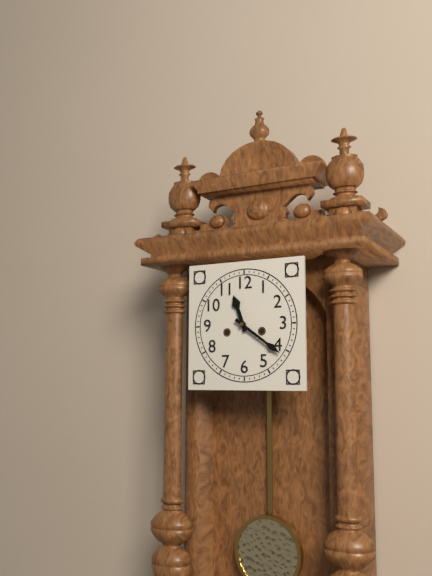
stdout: h=11 m=21
